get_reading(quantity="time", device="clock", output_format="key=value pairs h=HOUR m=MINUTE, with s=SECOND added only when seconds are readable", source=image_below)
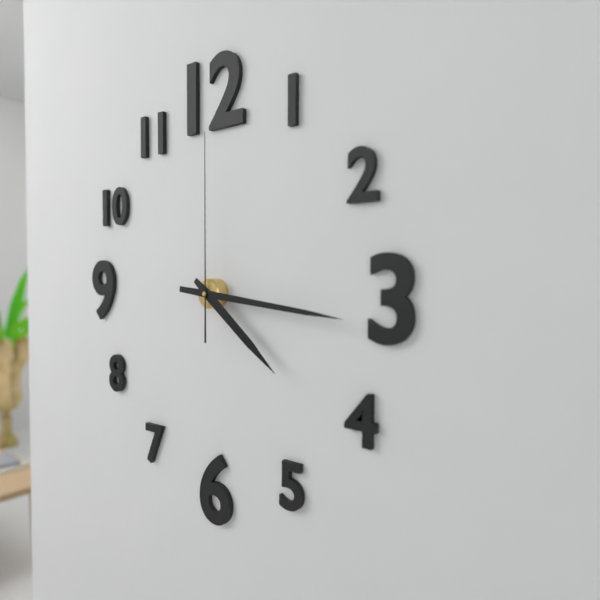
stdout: h=4 m=16 s=0
